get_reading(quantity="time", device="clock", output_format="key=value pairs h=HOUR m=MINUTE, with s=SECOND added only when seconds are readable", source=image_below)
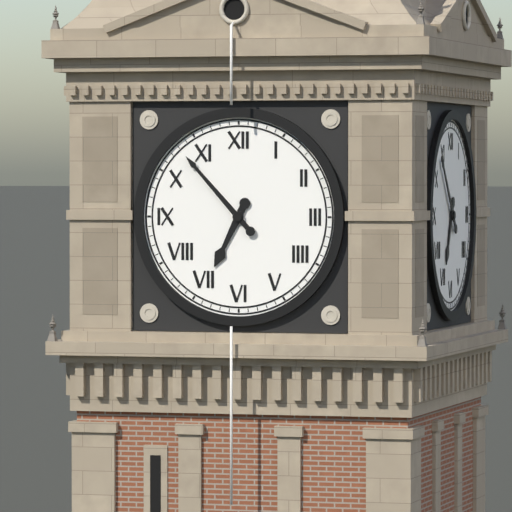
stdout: h=6 m=53
